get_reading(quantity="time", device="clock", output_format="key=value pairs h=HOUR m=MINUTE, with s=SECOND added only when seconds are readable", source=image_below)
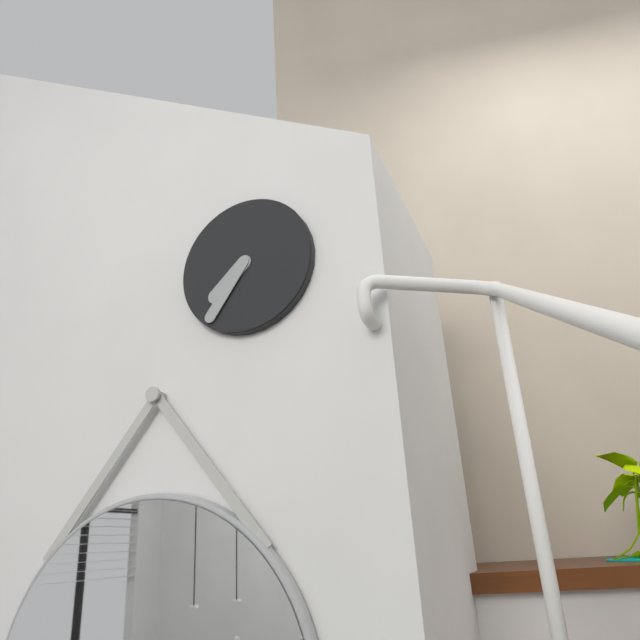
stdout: h=7 m=36
